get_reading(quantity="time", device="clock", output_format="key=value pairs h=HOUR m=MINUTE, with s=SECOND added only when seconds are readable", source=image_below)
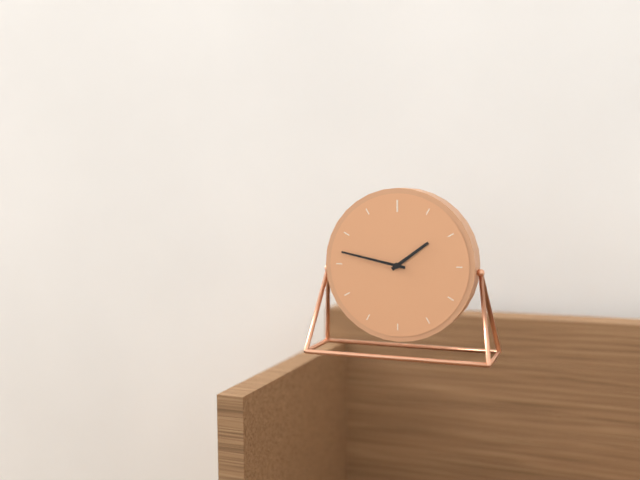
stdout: h=1 m=47
